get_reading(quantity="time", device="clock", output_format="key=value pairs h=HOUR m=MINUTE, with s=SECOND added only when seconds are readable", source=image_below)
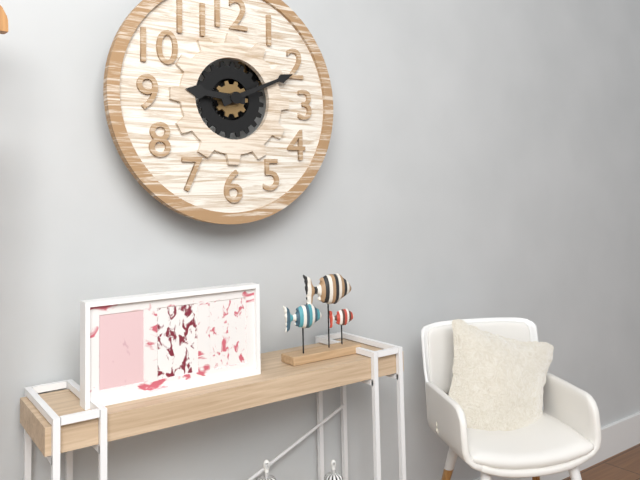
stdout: h=9 m=11
